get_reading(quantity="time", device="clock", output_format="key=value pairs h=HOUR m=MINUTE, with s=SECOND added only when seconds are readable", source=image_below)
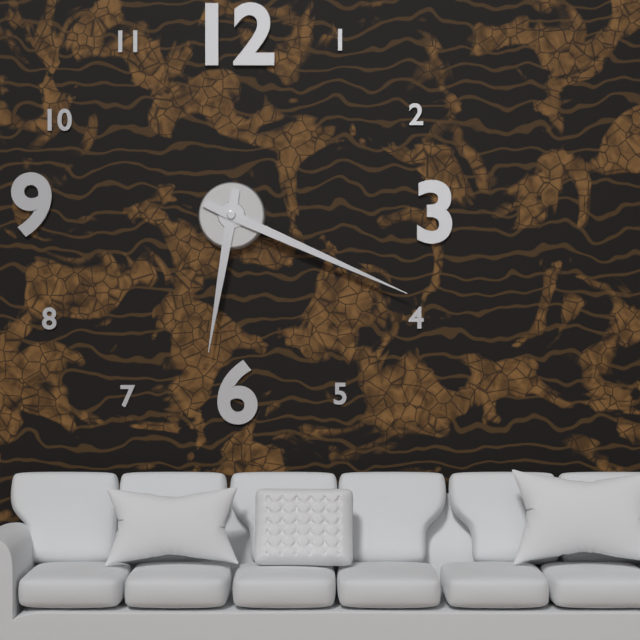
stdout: h=6 m=19
